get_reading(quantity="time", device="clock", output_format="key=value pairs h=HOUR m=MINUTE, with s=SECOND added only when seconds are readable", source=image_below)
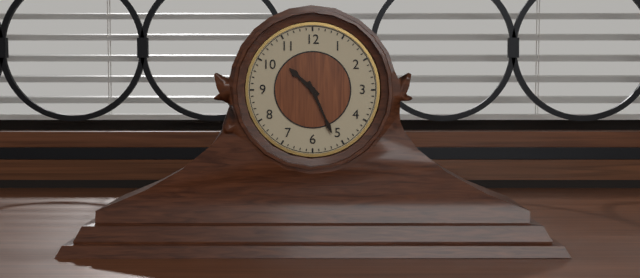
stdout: h=10 m=26
